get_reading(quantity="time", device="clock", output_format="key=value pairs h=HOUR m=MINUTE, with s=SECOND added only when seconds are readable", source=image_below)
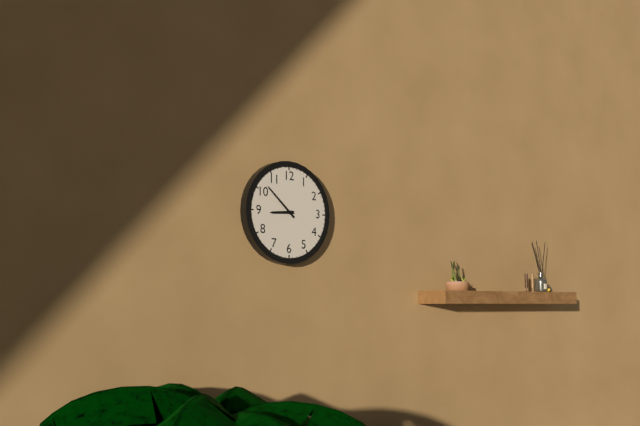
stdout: h=8 m=52
